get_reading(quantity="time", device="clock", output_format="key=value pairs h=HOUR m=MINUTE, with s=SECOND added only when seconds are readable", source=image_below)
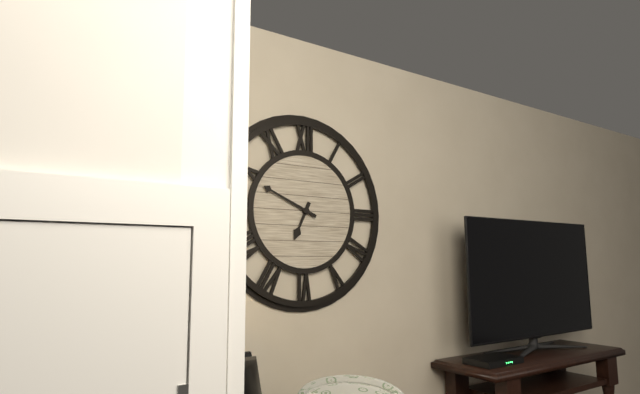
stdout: h=6 m=49
